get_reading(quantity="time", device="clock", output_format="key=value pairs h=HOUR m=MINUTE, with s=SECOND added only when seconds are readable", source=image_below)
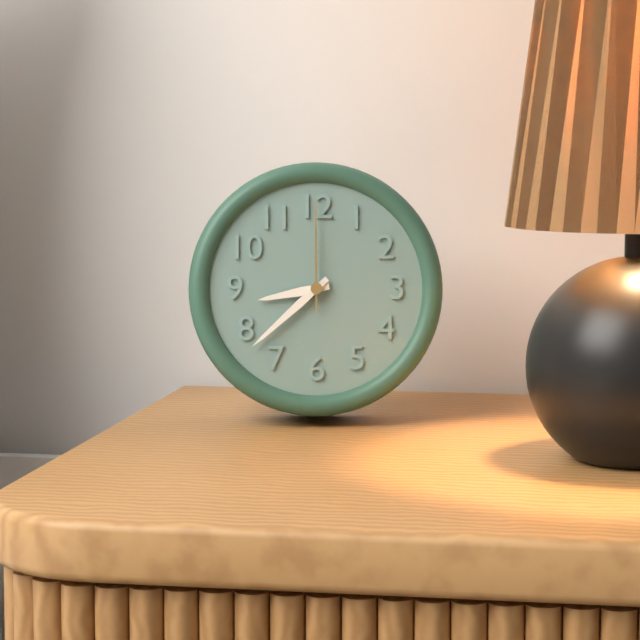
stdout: h=8 m=38 s=0
